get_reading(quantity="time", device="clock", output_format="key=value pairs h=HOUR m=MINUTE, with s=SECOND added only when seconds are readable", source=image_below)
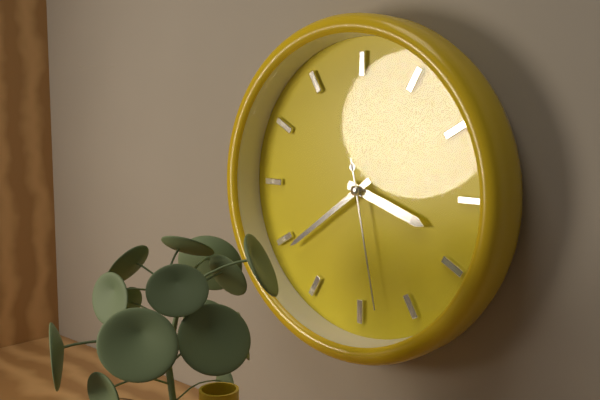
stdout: h=3 m=39 s=28
